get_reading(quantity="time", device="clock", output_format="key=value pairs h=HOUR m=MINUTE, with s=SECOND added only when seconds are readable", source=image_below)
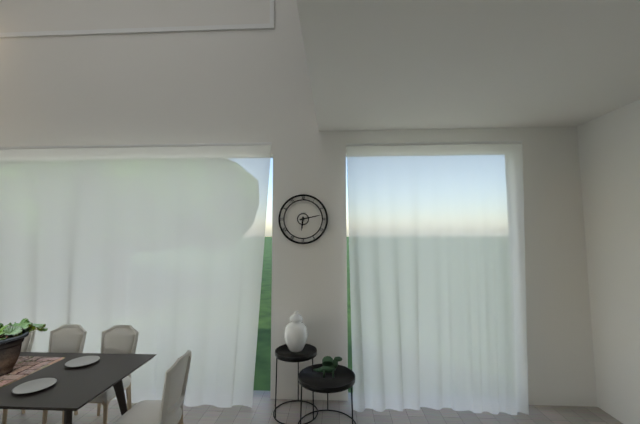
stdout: h=6 m=13
